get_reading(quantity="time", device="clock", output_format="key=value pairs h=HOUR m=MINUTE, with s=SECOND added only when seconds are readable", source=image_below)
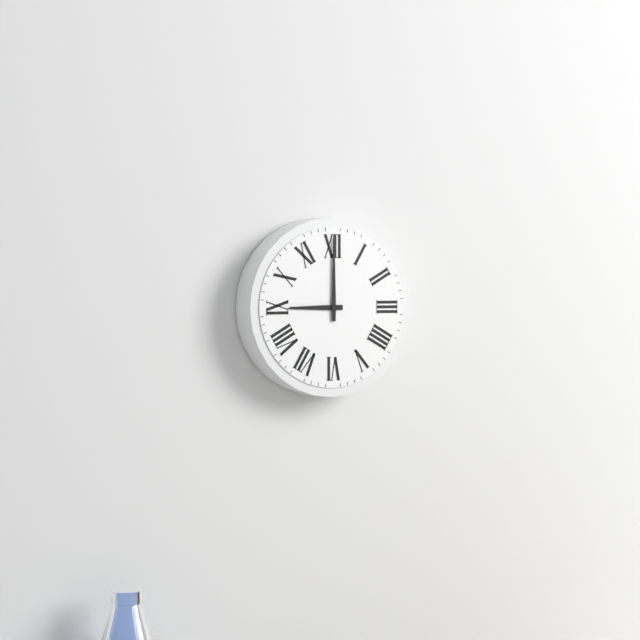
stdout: h=9 m=0
